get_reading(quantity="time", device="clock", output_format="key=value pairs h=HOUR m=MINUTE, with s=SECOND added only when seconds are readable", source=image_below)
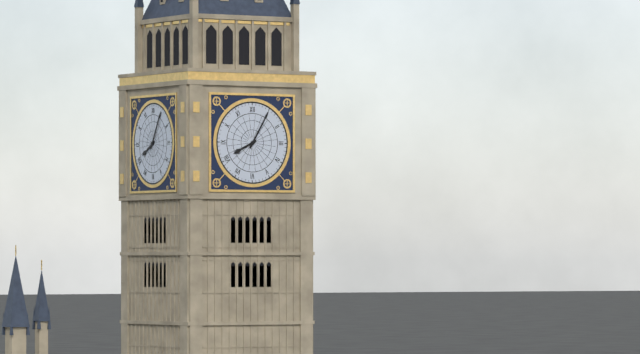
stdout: h=8 m=5
